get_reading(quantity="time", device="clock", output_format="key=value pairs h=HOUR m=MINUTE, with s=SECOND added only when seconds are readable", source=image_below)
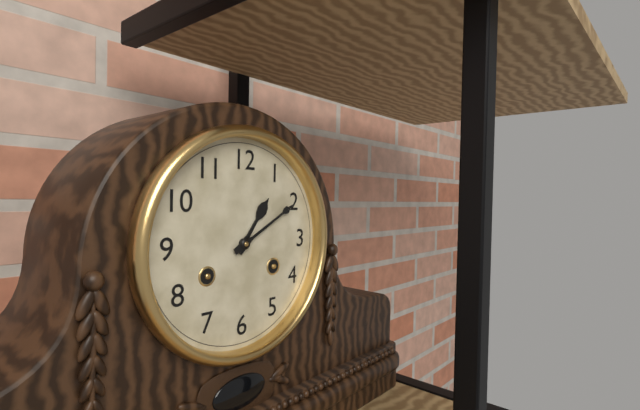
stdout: h=1 m=10
